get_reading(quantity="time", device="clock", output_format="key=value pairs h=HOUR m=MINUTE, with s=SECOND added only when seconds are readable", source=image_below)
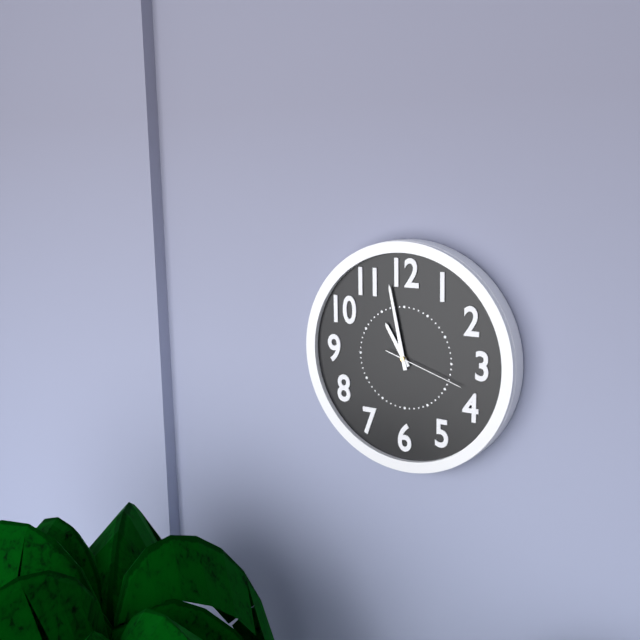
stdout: h=10 m=58 s=18
